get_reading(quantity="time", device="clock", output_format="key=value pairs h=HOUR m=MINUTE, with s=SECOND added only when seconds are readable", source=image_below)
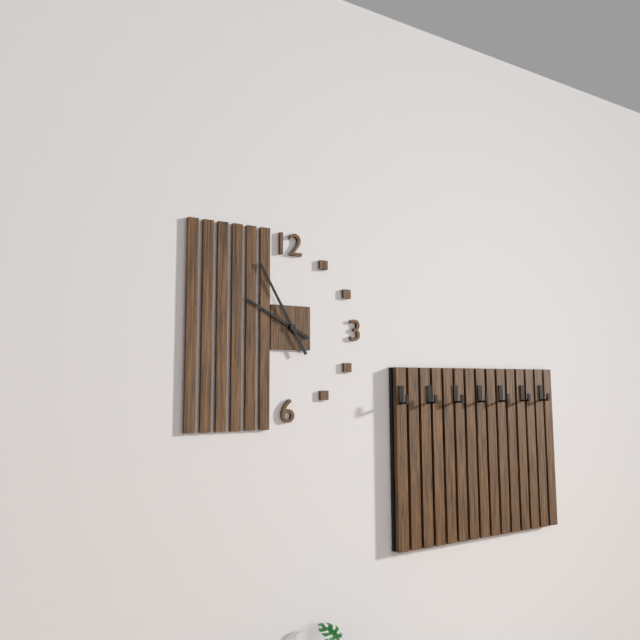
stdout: h=9 m=55
